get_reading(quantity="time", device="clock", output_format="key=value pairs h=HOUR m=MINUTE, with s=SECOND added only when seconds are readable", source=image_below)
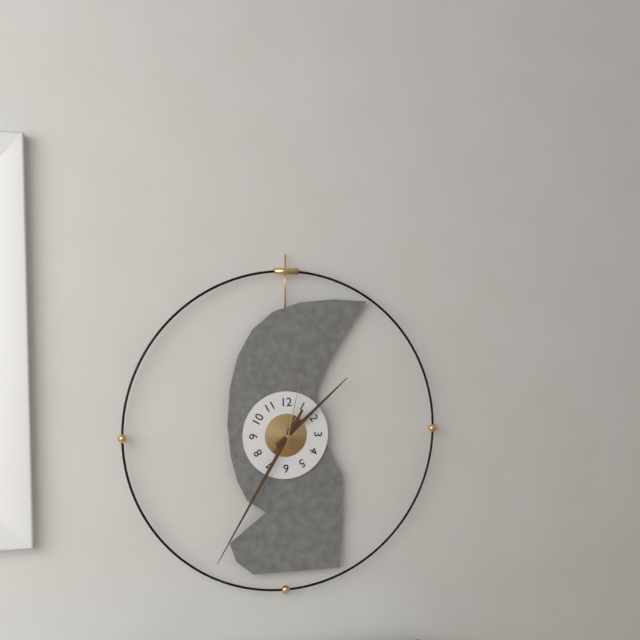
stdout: h=1 m=35 s=2
